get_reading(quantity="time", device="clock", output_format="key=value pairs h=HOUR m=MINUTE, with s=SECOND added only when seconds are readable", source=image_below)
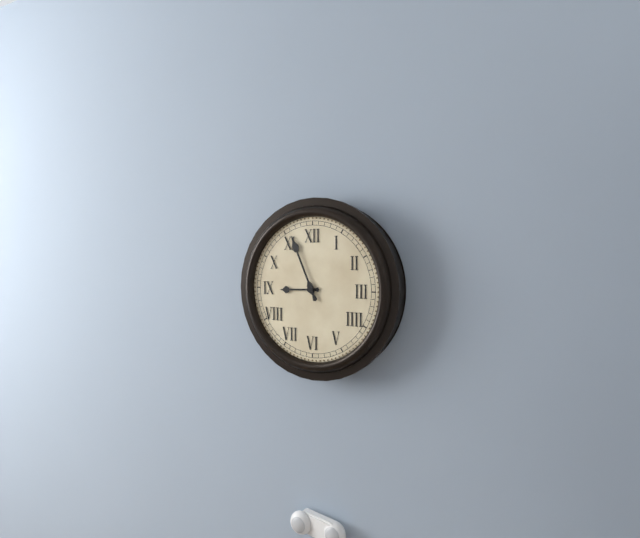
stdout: h=8 m=56
